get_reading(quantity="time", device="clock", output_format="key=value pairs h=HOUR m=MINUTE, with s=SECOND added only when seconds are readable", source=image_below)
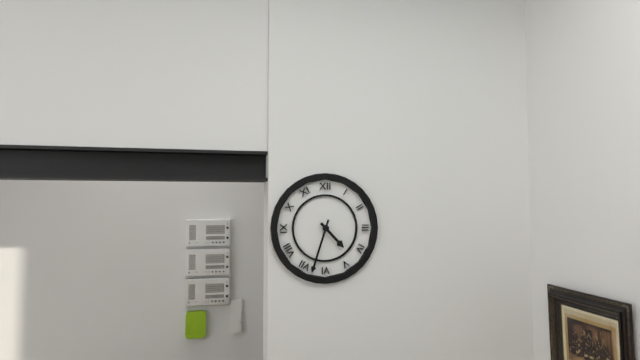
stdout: h=4 m=33
